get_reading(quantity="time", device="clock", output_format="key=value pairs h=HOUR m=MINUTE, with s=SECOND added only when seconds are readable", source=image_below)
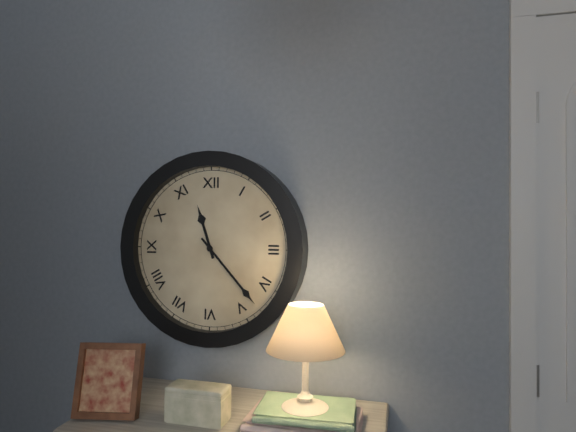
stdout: h=11 m=23
